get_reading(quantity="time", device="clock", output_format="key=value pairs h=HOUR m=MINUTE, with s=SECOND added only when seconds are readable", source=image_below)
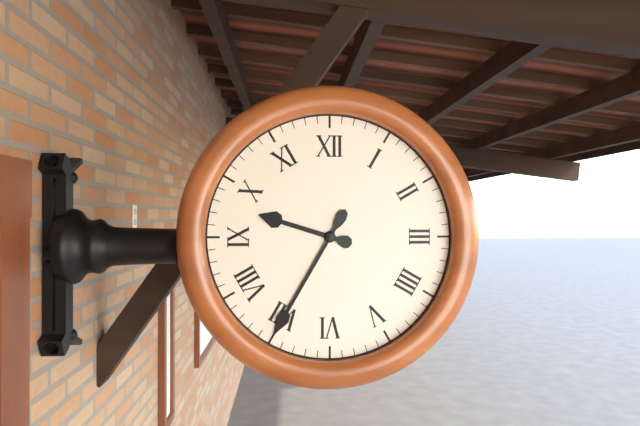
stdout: h=9 m=35
